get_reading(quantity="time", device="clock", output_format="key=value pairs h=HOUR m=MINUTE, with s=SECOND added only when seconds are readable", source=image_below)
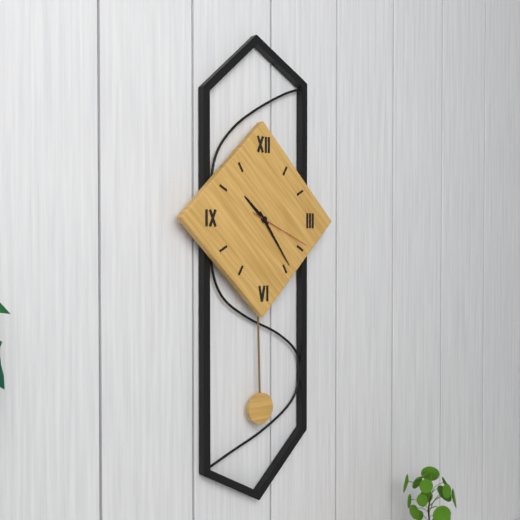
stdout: h=10 m=24 s=19
